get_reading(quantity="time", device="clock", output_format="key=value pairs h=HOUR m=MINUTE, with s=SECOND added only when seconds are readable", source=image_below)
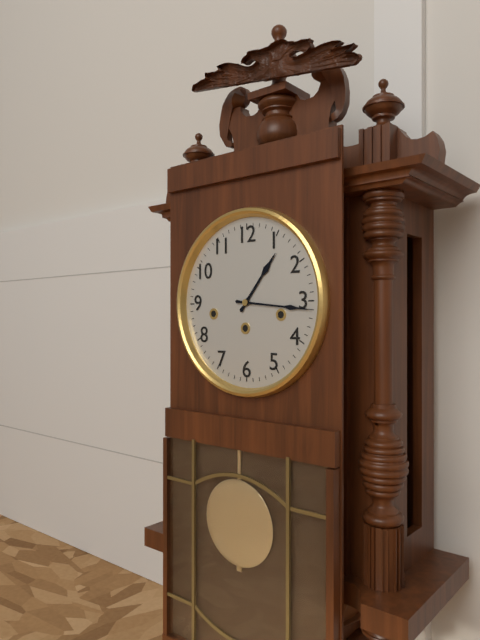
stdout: h=1 m=16
